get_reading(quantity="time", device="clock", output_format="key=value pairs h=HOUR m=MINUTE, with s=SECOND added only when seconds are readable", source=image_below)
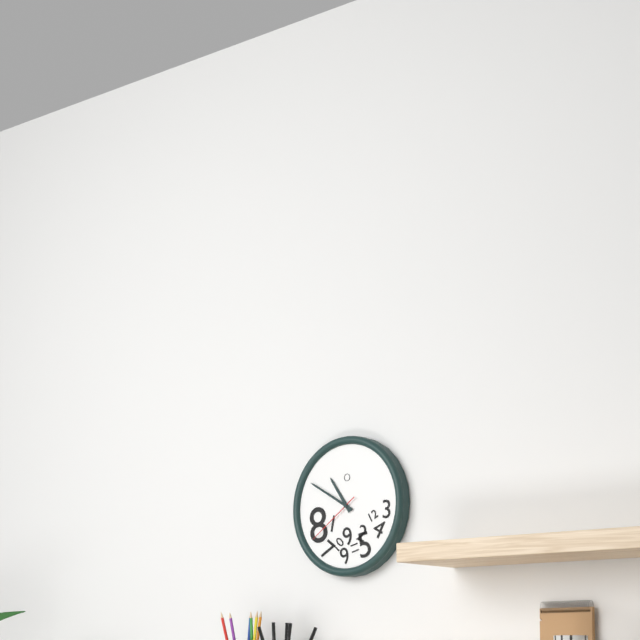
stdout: h=10 m=50 s=39
